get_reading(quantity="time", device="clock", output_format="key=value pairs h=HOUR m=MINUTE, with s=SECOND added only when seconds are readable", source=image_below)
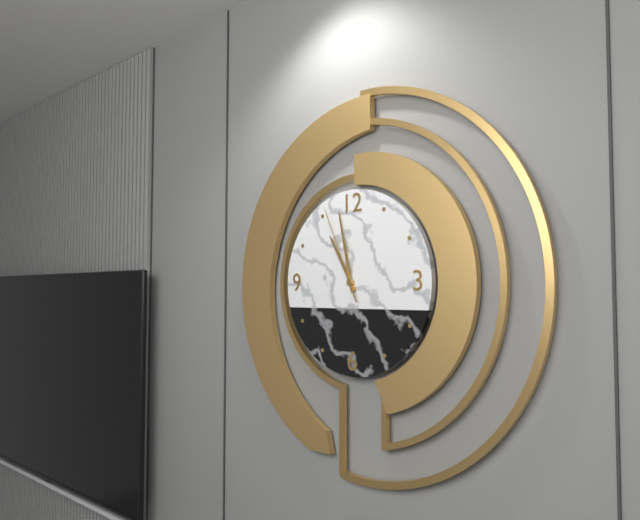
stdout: h=10 m=58 s=56
